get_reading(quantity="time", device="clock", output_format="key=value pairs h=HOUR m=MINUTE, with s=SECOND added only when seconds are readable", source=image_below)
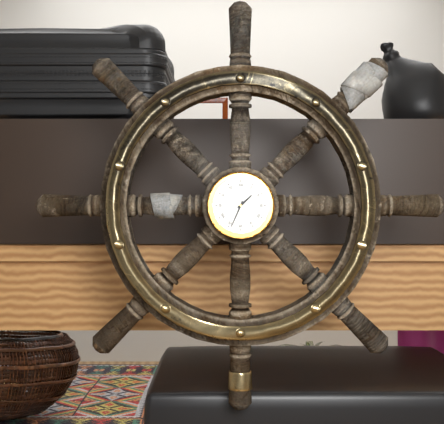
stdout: h=1 m=34
